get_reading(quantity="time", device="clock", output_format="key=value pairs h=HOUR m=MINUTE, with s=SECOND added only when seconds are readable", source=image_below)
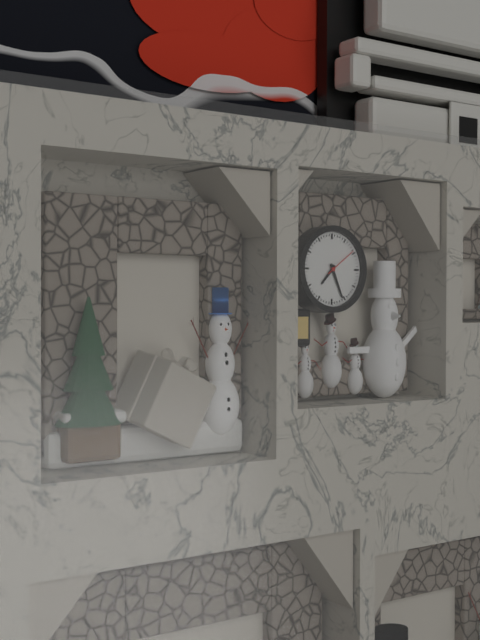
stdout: h=7 m=26
